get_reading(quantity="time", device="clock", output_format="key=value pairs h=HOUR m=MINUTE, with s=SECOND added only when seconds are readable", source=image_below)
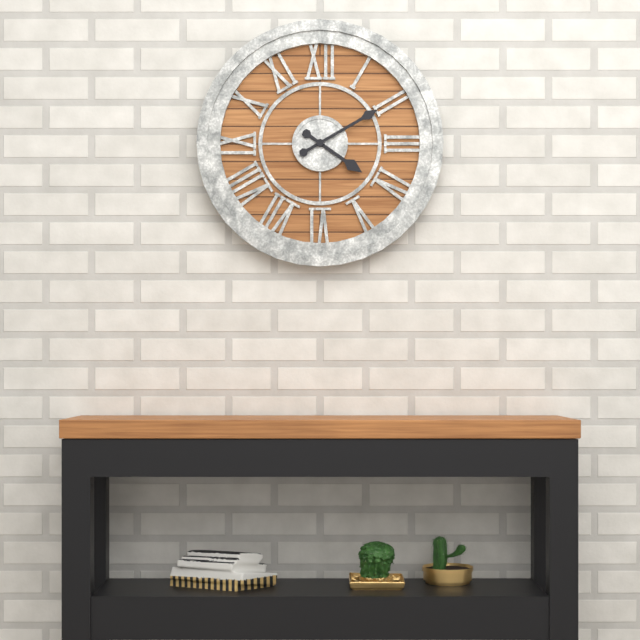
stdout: h=4 m=10
